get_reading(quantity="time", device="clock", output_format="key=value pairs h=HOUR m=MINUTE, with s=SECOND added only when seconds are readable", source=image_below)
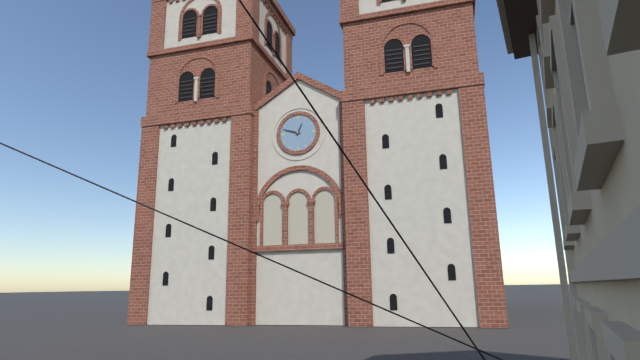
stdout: h=12 m=48
